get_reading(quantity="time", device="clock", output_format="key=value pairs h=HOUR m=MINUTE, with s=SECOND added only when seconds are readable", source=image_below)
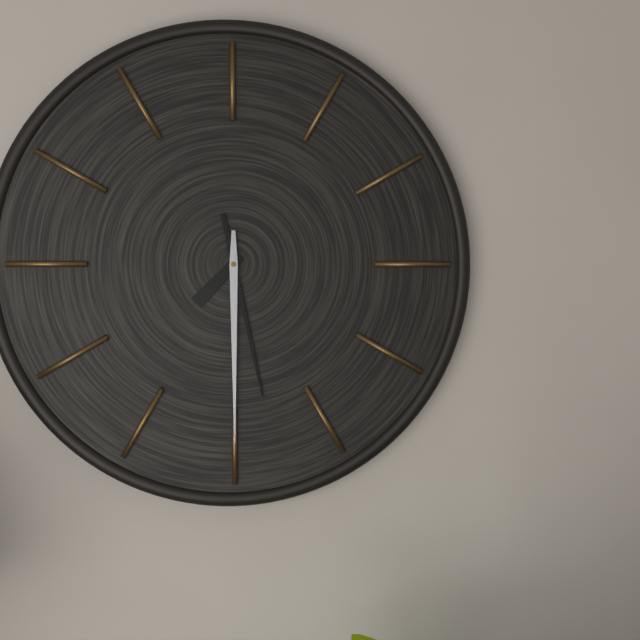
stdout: h=7 m=28 s=30
